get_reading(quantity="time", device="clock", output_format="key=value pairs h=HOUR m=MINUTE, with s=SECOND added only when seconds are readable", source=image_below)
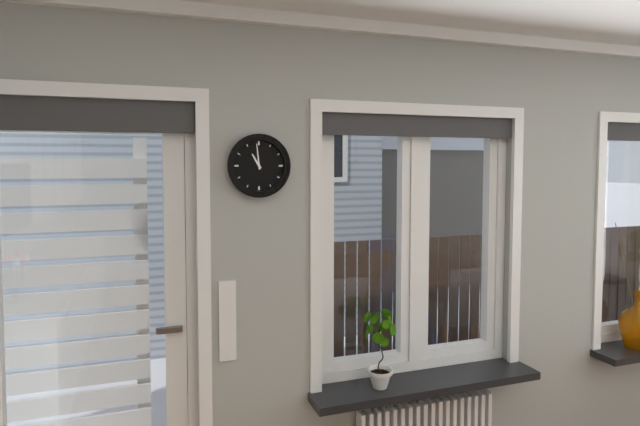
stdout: h=10 m=59
